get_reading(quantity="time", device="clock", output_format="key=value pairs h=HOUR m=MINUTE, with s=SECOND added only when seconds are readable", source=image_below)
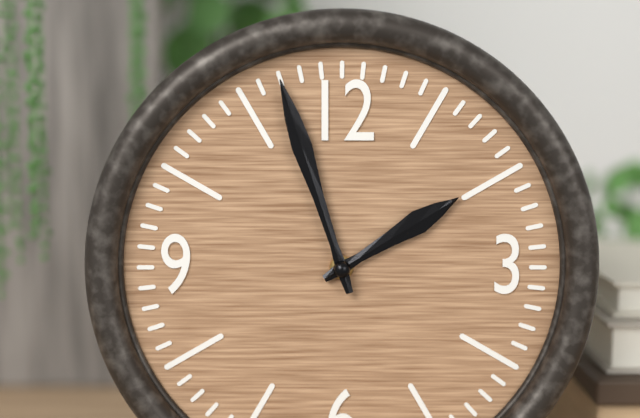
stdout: h=1 m=57
